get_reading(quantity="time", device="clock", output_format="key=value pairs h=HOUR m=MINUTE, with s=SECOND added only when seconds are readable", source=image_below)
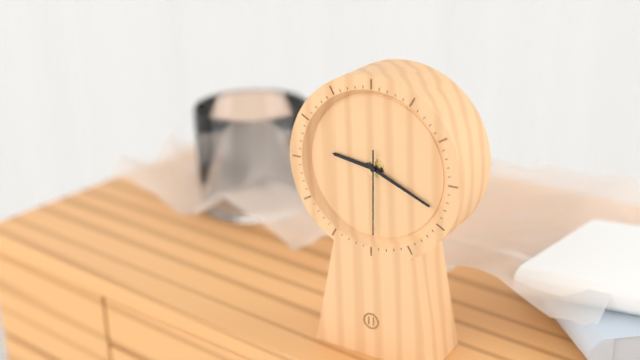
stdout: h=9 m=19 s=30
